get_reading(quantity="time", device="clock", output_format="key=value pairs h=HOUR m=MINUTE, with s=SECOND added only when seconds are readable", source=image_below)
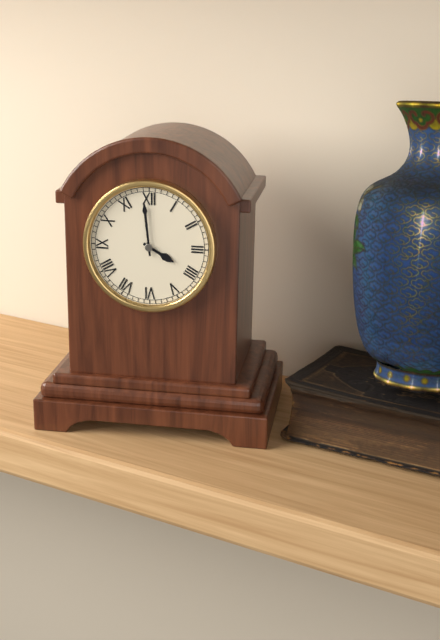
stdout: h=3 m=59
